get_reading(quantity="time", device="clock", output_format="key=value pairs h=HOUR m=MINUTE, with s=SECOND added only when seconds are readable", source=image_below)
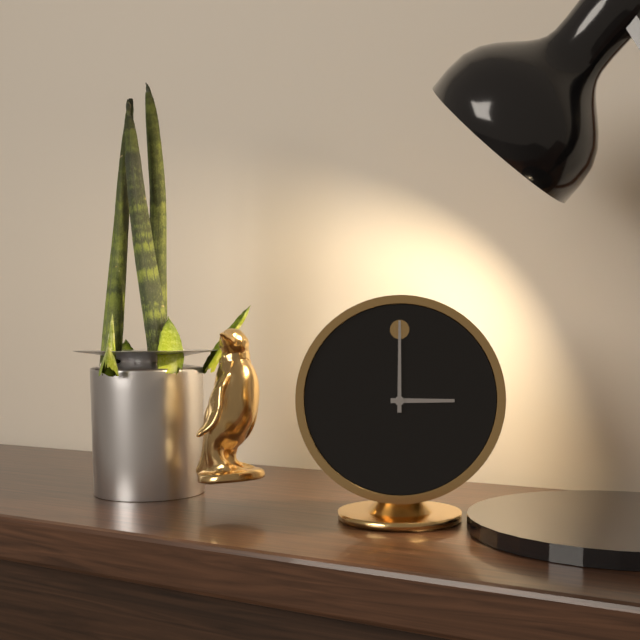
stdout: h=3 m=0
